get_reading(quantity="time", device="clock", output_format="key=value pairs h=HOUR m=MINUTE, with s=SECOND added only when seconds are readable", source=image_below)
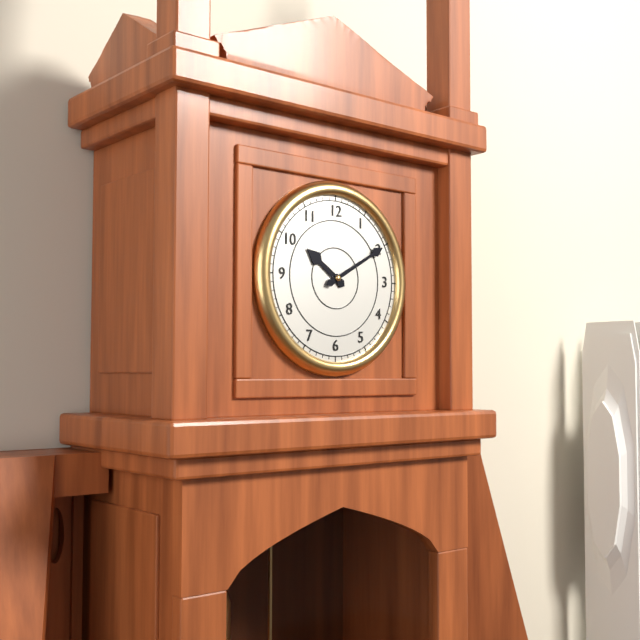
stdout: h=10 m=10
